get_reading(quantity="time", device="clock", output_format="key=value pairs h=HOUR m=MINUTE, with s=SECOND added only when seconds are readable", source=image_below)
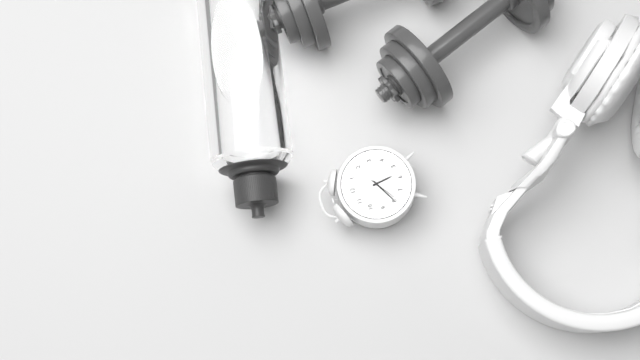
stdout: h=5 m=40
